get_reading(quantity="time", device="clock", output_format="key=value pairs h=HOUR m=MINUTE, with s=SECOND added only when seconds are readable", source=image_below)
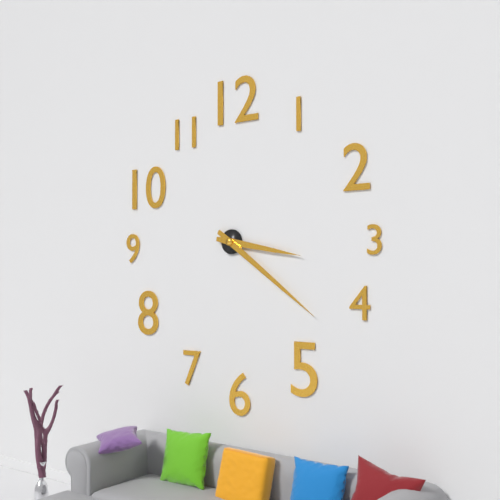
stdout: h=3 m=21
